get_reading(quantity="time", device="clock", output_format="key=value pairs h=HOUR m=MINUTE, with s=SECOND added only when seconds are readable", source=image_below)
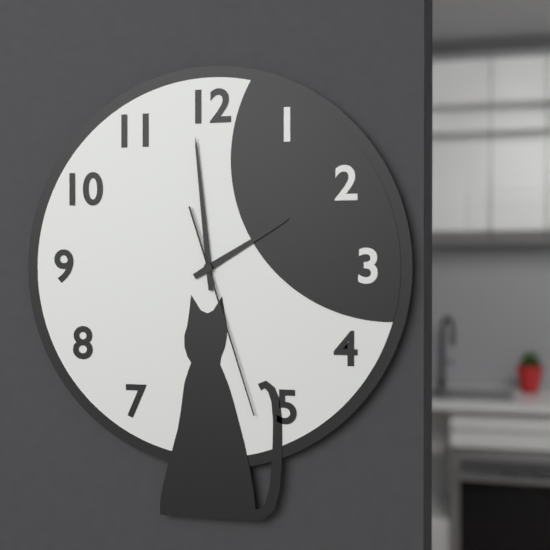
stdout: h=1 m=59 s=27
